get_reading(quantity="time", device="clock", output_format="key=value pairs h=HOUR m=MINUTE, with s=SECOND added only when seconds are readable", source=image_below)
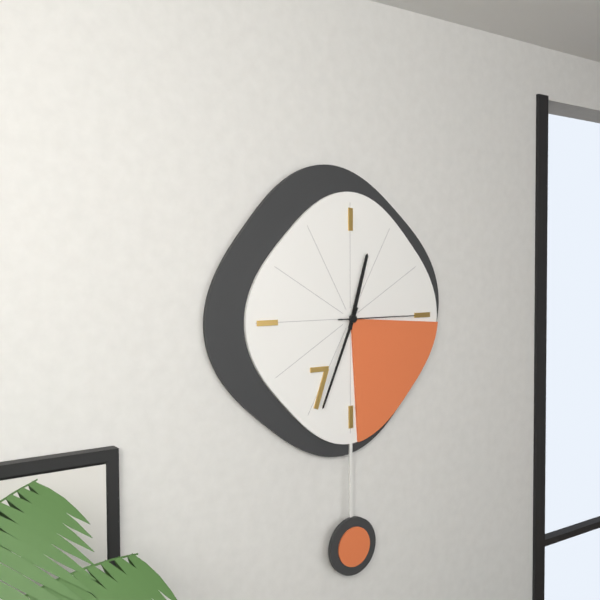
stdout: h=12 m=34 s=15
